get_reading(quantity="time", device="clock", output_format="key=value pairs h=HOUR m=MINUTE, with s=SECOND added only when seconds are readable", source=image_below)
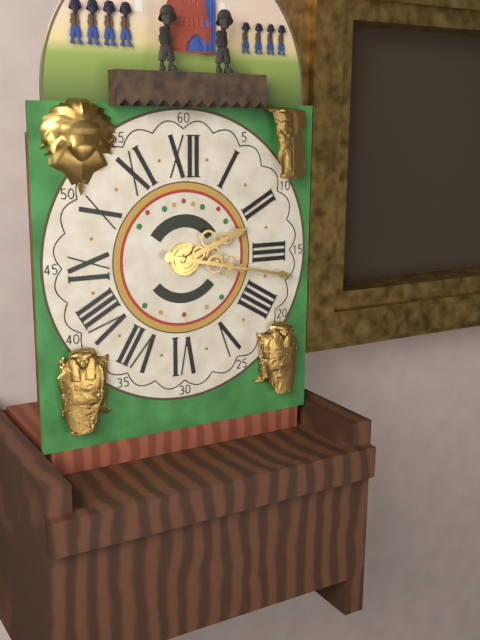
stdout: h=2 m=17
